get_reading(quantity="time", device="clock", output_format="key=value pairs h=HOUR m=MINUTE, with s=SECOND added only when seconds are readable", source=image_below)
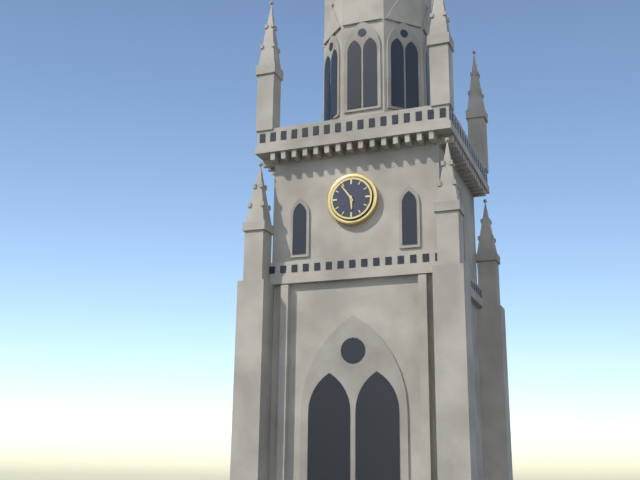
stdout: h=5 m=54
